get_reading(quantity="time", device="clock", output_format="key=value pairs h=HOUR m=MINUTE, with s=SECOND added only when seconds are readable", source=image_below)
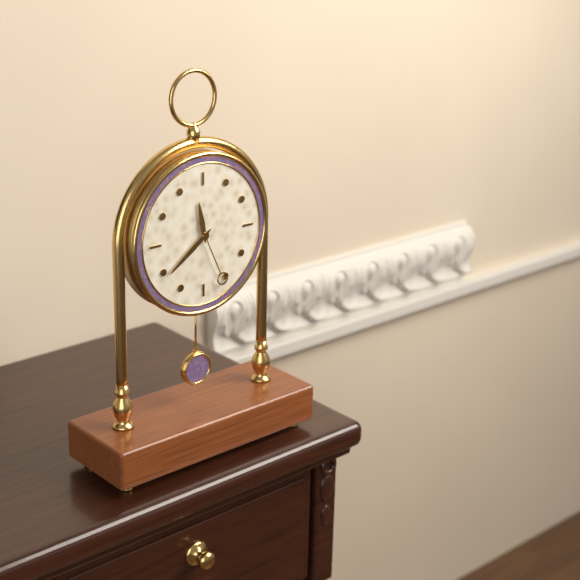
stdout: h=11 m=39 s=26
